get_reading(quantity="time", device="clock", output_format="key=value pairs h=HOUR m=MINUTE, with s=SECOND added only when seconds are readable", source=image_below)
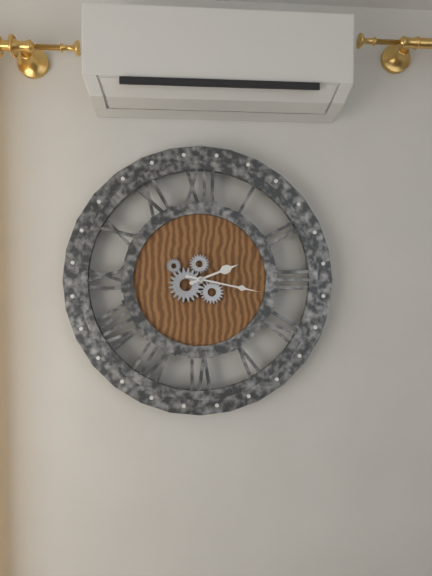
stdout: h=2 m=17
